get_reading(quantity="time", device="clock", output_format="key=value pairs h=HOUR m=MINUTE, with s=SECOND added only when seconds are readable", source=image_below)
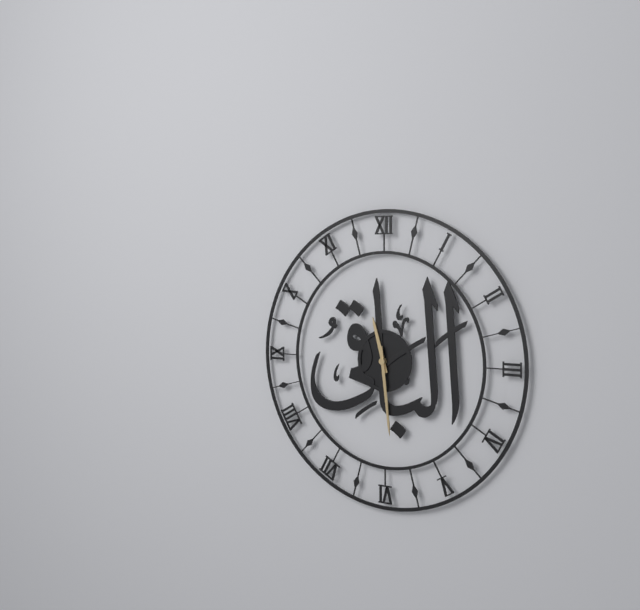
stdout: h=11 m=29
